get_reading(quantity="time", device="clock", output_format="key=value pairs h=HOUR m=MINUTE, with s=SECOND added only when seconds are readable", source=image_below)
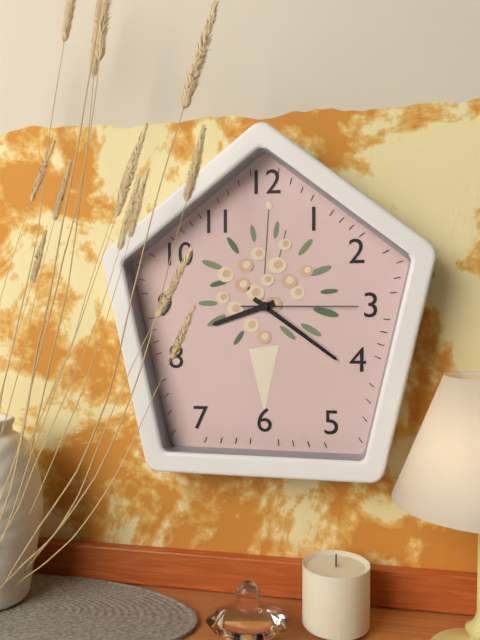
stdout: h=8 m=21 s=15
